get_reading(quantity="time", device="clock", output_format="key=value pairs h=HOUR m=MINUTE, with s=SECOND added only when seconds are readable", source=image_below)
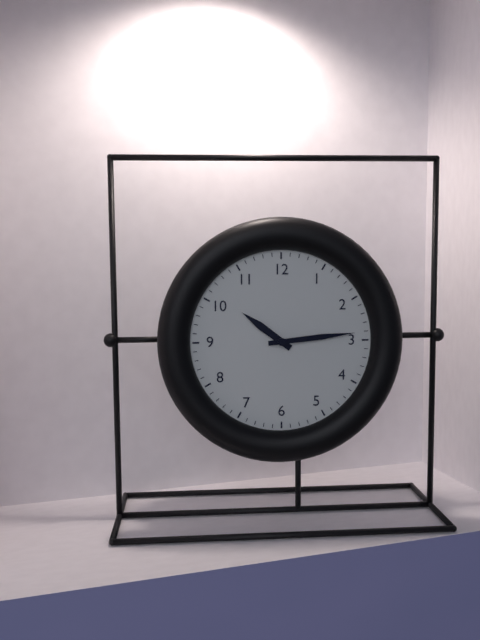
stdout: h=10 m=14
